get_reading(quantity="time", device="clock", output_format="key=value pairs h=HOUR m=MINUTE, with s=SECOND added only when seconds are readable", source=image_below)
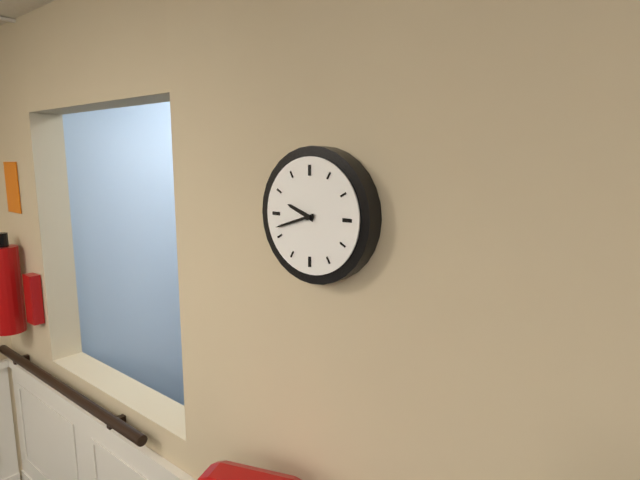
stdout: h=9 m=42
